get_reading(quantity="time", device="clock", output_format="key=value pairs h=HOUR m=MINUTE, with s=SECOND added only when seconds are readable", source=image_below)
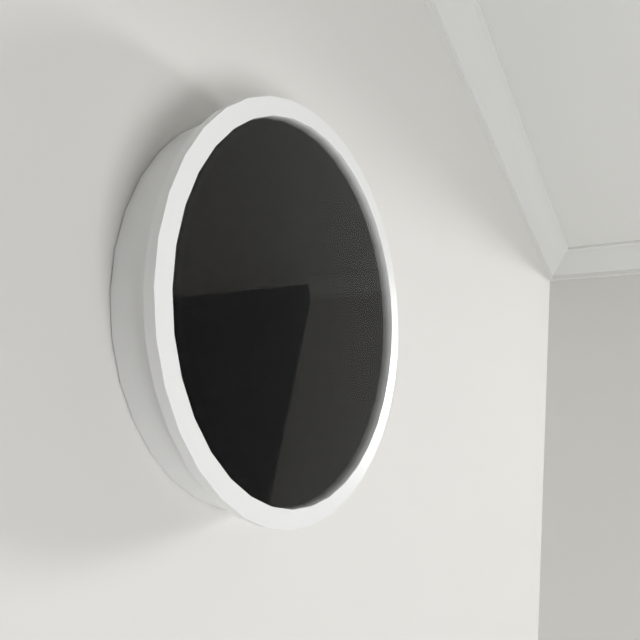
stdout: h=11 m=23
